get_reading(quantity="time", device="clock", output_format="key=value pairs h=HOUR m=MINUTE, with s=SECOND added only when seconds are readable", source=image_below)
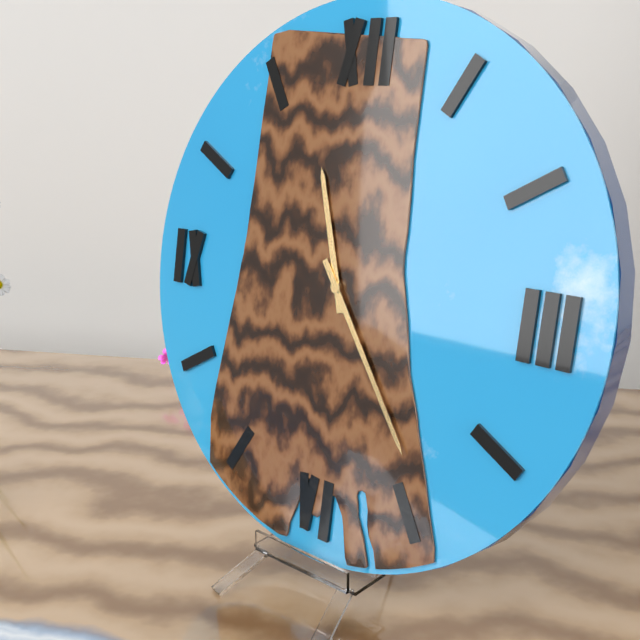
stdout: h=11 m=24
